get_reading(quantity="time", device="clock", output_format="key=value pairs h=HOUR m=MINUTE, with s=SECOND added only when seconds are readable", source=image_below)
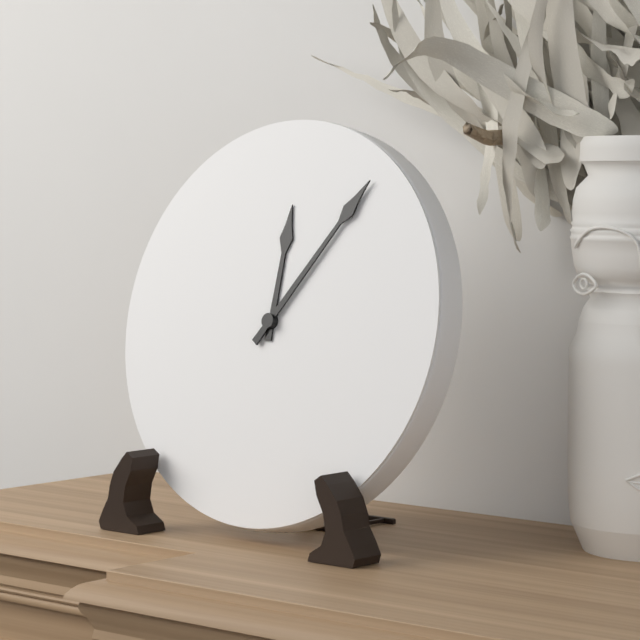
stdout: h=12 m=6
